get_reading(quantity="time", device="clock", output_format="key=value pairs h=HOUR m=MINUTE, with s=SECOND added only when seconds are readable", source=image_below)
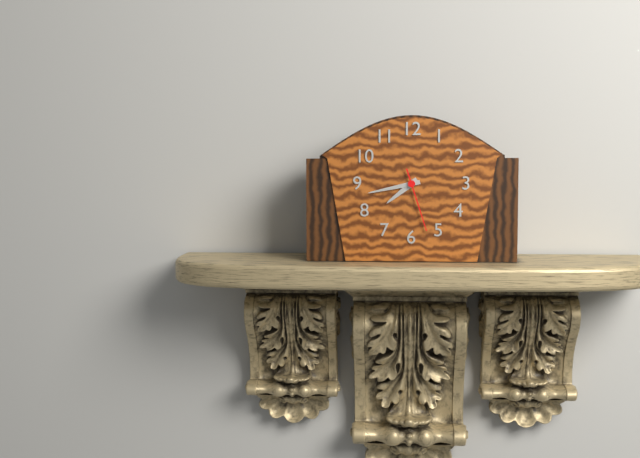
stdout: h=7 m=43 s=27
